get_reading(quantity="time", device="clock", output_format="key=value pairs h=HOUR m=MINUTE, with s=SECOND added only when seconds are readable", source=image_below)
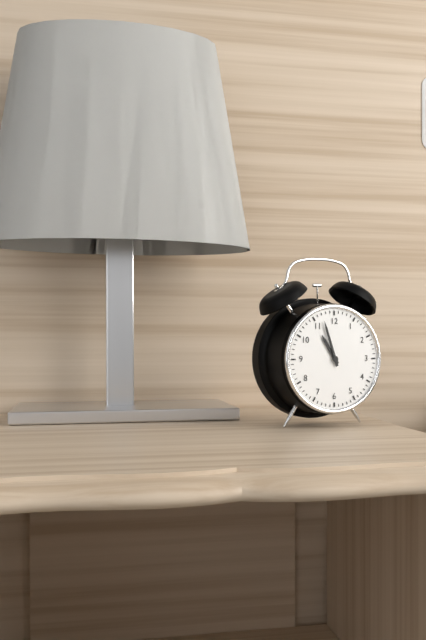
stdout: h=10 m=57
